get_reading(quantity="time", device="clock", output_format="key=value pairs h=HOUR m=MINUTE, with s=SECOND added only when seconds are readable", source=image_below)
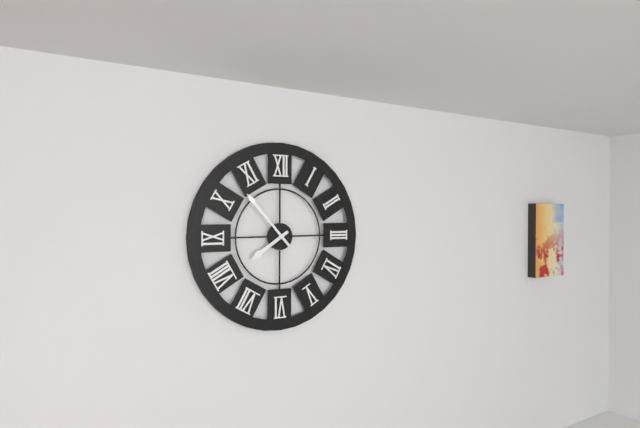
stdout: h=7 m=53
